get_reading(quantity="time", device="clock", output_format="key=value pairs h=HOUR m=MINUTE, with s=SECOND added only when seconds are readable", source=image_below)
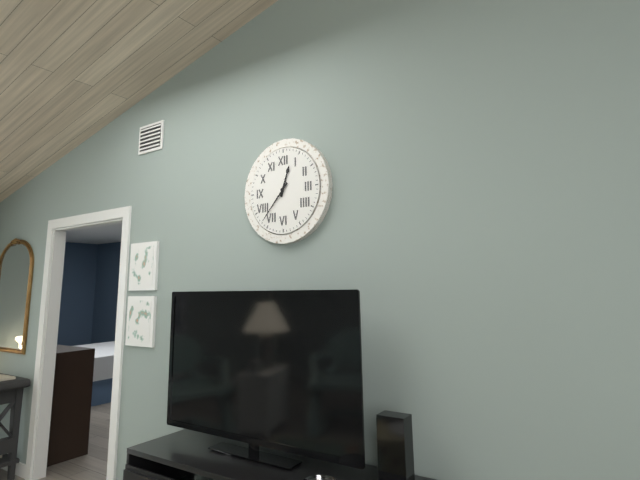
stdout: h=12 m=37
